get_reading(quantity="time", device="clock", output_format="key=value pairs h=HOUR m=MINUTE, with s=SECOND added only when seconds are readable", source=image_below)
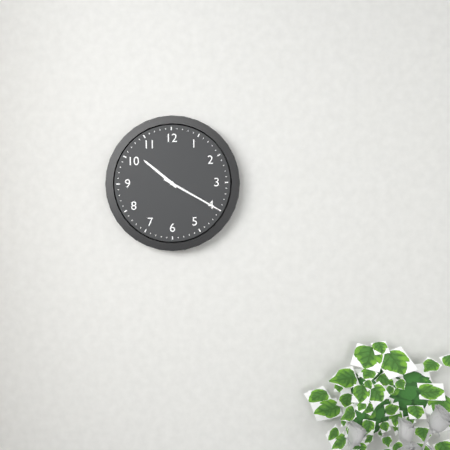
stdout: h=10 m=20
